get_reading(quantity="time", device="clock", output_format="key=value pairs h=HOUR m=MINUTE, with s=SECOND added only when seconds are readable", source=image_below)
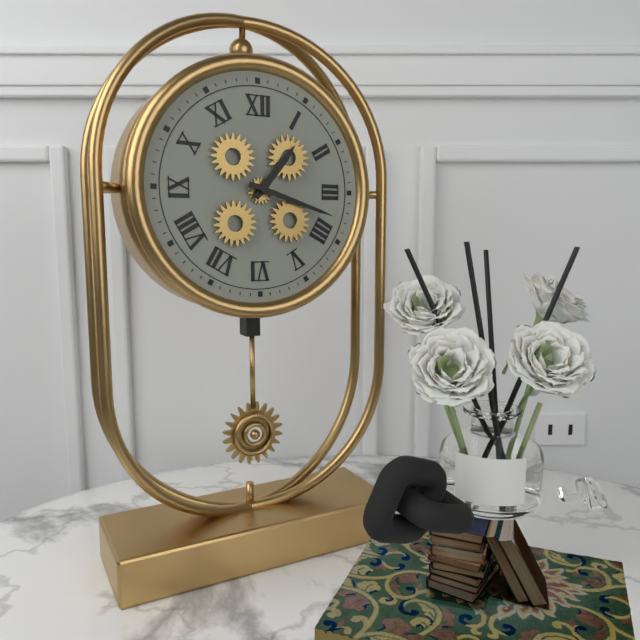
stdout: h=1 m=18
